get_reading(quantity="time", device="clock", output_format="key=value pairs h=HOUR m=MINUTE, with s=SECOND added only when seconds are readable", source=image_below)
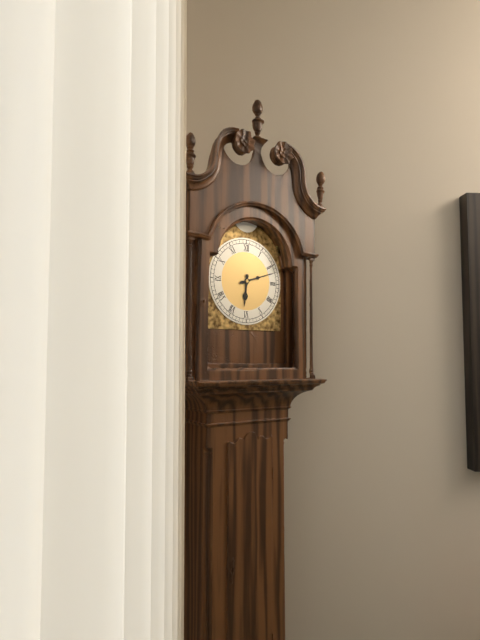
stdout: h=6 m=12
